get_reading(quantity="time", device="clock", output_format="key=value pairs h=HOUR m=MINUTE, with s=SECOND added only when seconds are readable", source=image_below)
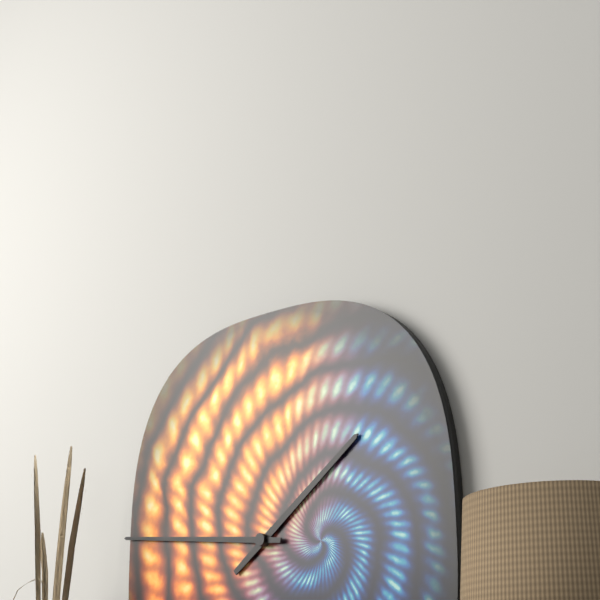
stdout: h=1 m=46
